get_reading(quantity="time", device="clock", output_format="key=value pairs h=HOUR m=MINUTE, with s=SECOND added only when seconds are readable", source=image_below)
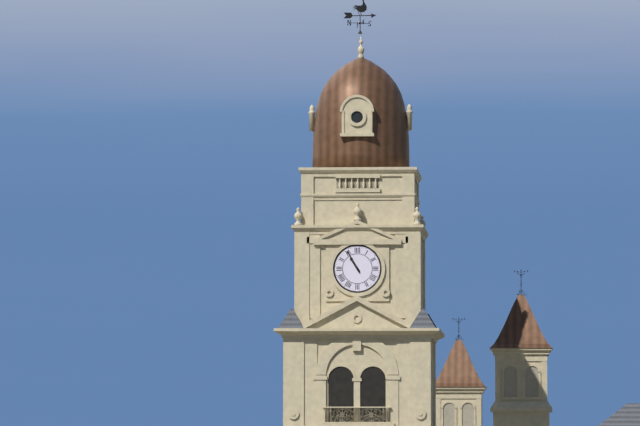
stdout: h=10 m=55
